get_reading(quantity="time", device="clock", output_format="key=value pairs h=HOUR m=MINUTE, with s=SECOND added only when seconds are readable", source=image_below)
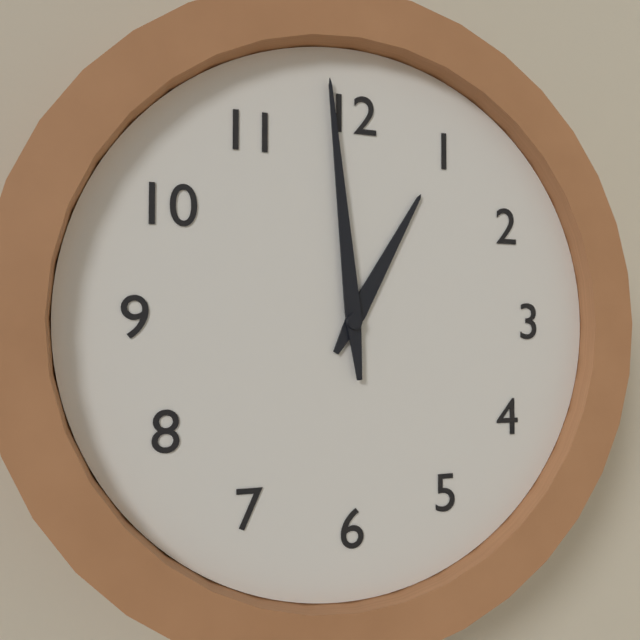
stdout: h=12 m=59
